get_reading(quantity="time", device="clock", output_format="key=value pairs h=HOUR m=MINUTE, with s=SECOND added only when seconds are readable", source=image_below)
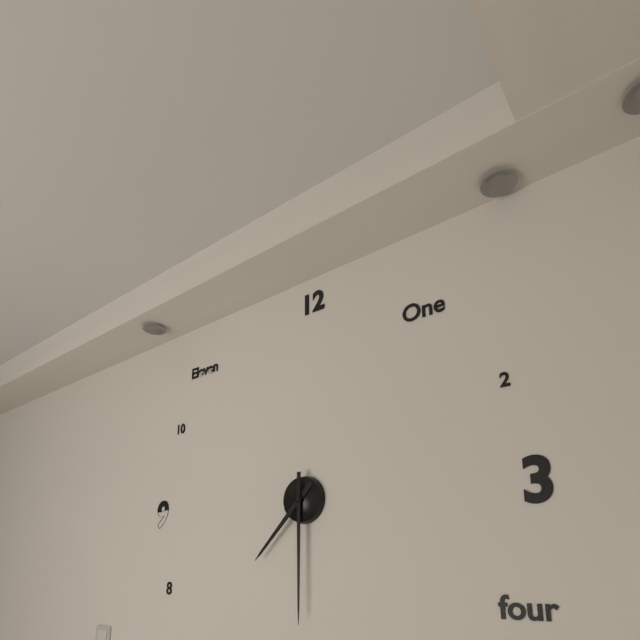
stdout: h=7 m=30
